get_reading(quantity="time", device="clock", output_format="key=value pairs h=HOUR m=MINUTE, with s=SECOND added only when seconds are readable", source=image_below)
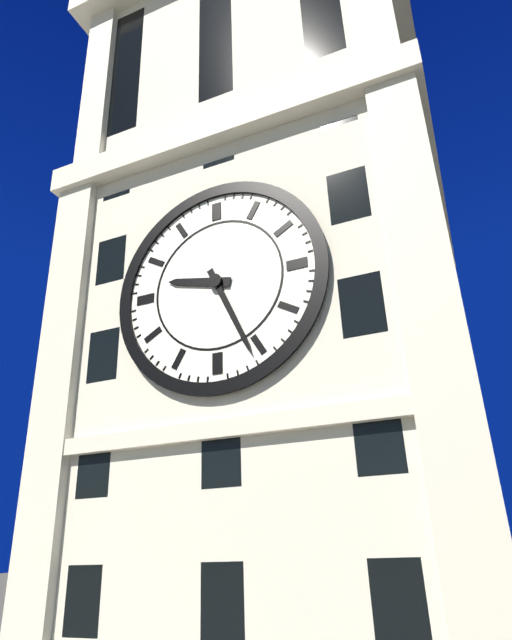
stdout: h=9 m=26
